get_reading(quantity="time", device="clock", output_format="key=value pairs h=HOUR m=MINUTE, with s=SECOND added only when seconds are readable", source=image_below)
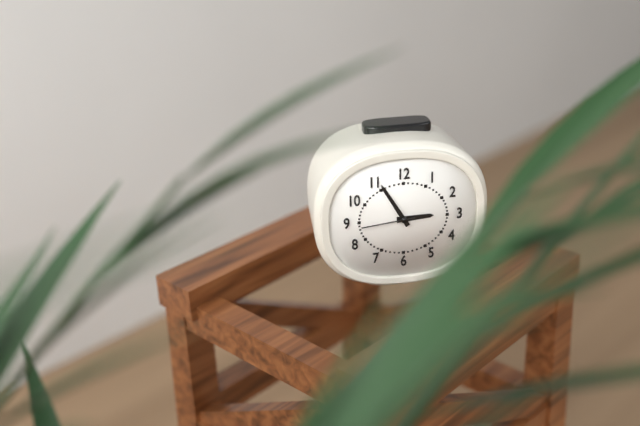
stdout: h=2 m=55 s=44
